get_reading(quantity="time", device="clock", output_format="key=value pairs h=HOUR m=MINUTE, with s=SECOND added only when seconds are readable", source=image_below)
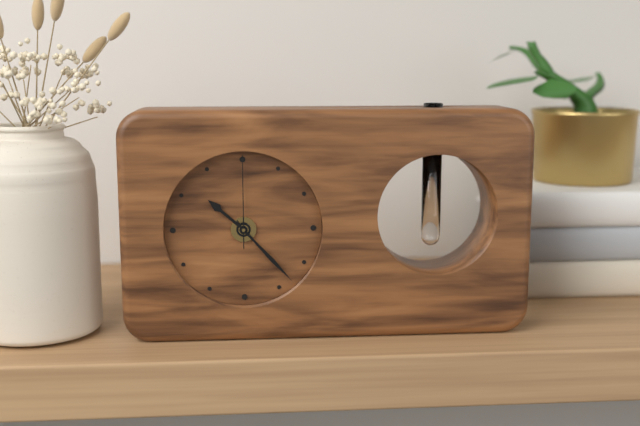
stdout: h=10 m=23 s=0
